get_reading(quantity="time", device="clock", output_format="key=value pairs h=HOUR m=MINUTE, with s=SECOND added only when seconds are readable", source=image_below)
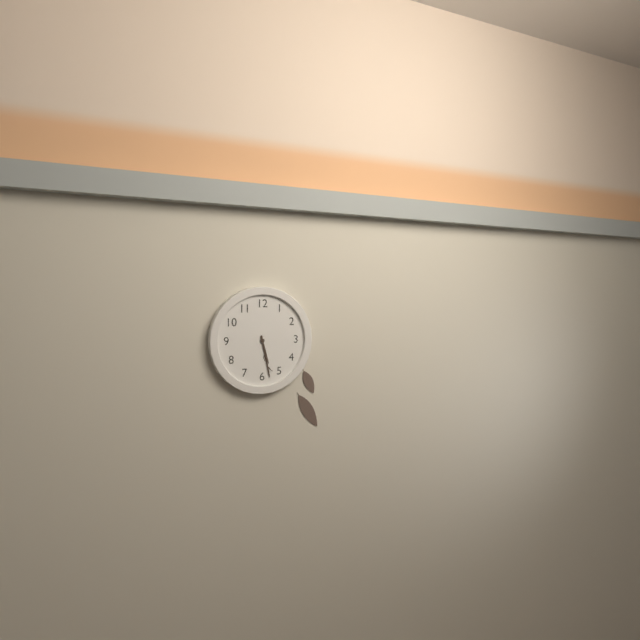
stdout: h=5 m=28
